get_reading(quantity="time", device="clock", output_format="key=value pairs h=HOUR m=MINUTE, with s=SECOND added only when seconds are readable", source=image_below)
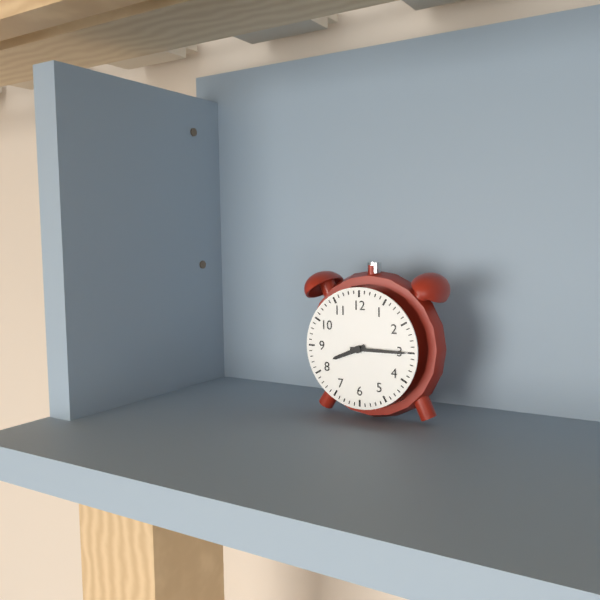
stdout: h=8 m=15
